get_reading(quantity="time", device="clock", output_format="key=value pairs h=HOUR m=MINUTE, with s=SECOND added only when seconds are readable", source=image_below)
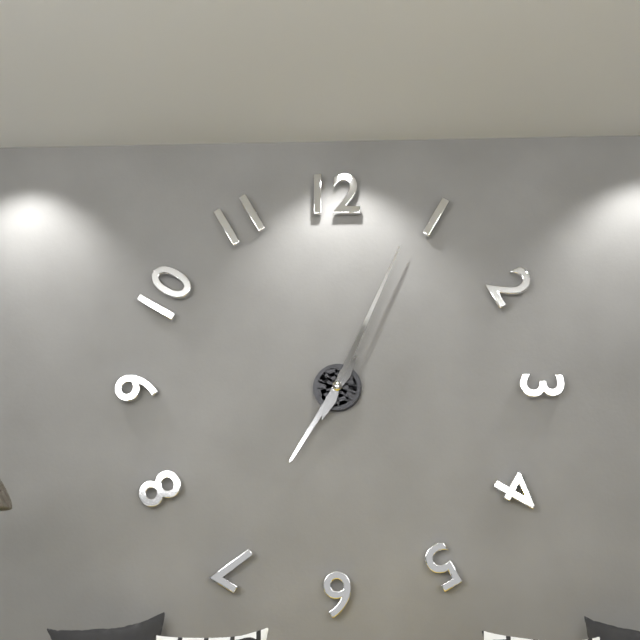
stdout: h=7 m=4
